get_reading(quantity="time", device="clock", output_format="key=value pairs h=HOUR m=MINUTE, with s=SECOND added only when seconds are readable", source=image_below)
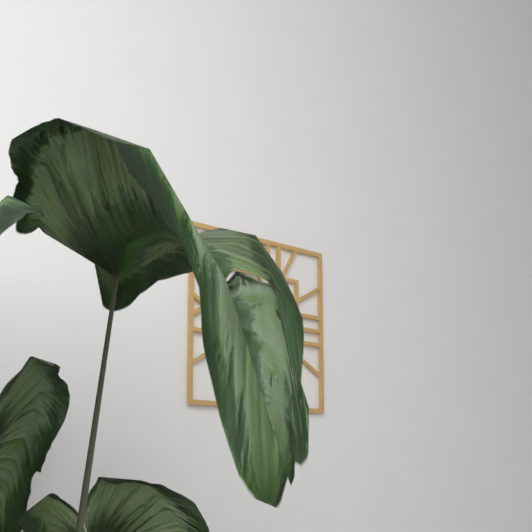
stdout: h=11 m=59
